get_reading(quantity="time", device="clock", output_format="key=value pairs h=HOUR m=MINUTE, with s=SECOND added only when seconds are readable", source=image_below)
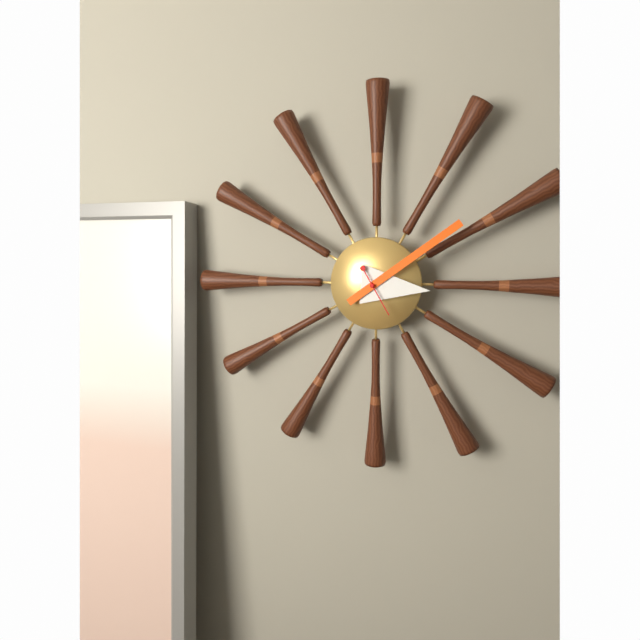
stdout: h=3 m=9
